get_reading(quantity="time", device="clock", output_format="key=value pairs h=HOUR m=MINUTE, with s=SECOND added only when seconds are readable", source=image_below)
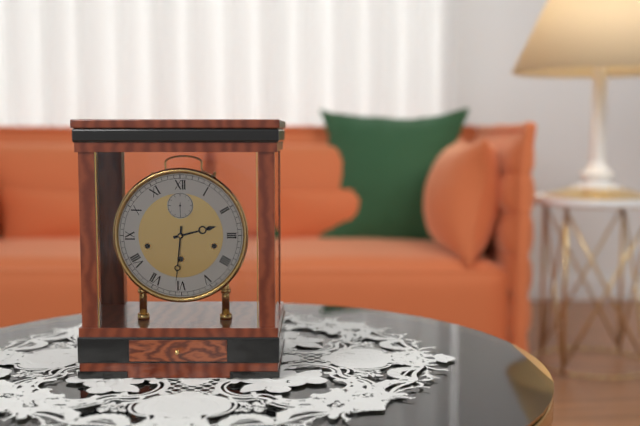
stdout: h=2 m=31
